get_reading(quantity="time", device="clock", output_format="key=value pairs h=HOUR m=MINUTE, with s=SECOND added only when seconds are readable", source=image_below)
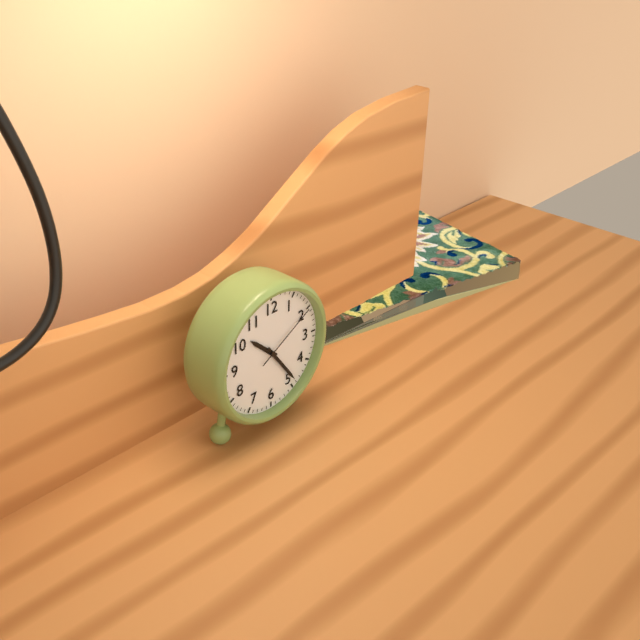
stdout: h=10 m=24 s=10
